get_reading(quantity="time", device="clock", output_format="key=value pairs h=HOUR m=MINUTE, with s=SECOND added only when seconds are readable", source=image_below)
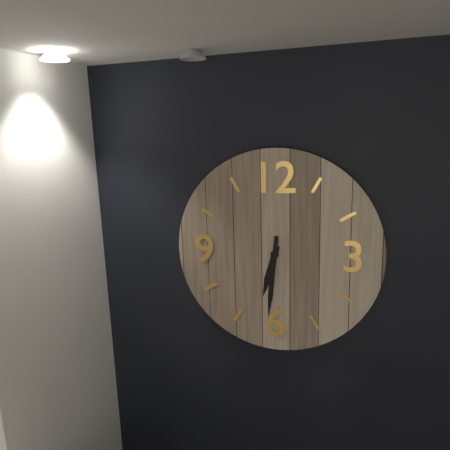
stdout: h=6 m=31
